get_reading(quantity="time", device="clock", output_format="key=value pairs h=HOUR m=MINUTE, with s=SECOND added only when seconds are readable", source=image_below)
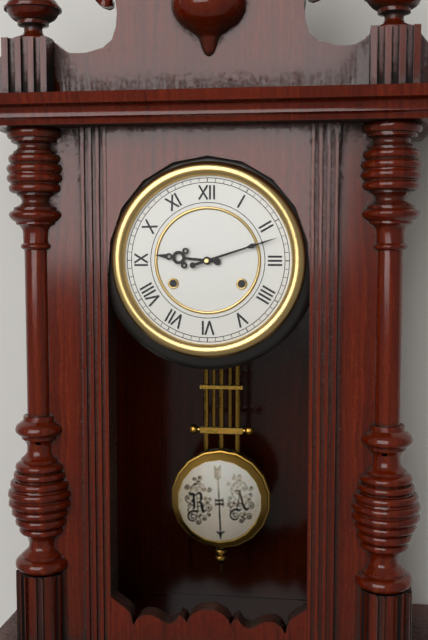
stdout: h=9 m=12
